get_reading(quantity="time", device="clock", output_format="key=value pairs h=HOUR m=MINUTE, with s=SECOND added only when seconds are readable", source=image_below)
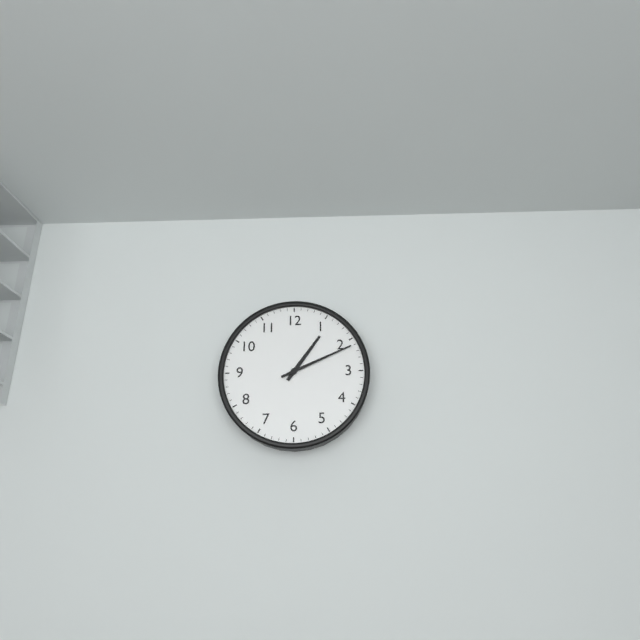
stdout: h=1 m=11
